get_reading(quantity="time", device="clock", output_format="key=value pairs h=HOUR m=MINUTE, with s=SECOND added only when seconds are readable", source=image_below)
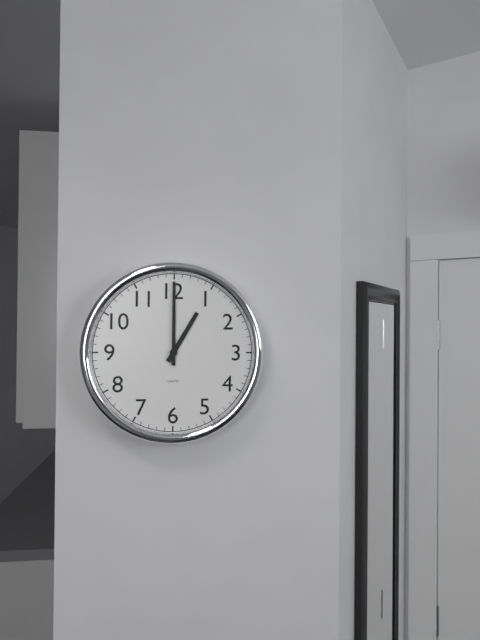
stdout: h=1 m=0
